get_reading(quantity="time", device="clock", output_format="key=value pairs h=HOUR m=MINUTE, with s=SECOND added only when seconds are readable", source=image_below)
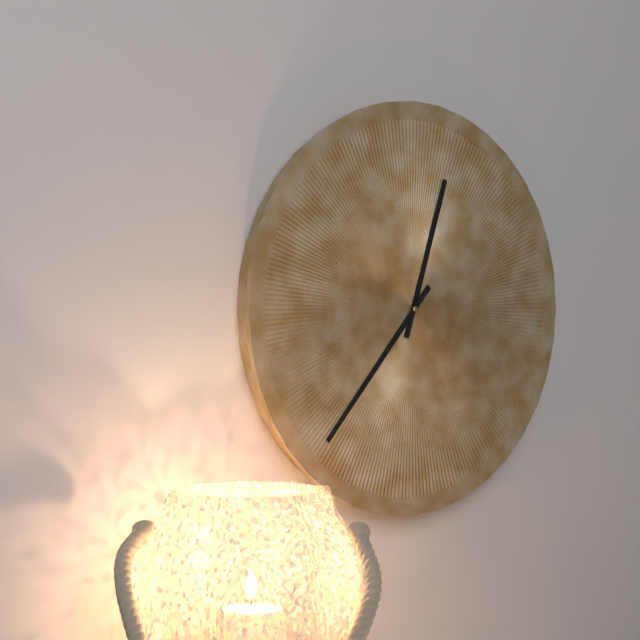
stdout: h=12 m=37
